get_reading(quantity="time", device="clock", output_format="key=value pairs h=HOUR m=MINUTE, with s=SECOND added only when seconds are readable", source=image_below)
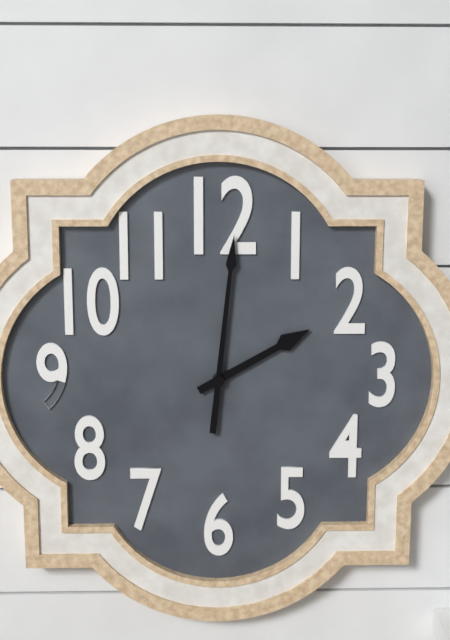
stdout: h=2 m=1
